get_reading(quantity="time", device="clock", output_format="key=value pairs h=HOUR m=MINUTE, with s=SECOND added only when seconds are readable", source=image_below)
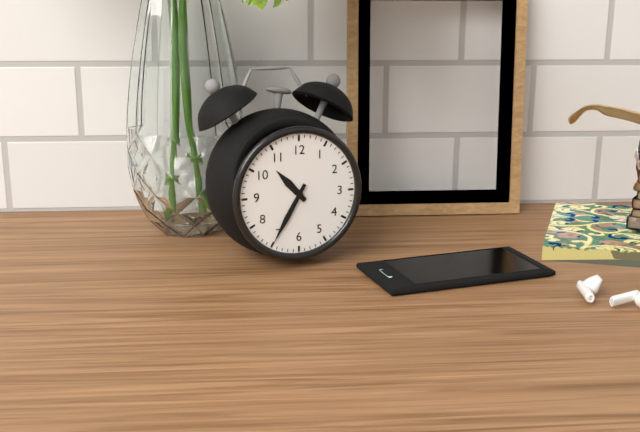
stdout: h=10 m=35
